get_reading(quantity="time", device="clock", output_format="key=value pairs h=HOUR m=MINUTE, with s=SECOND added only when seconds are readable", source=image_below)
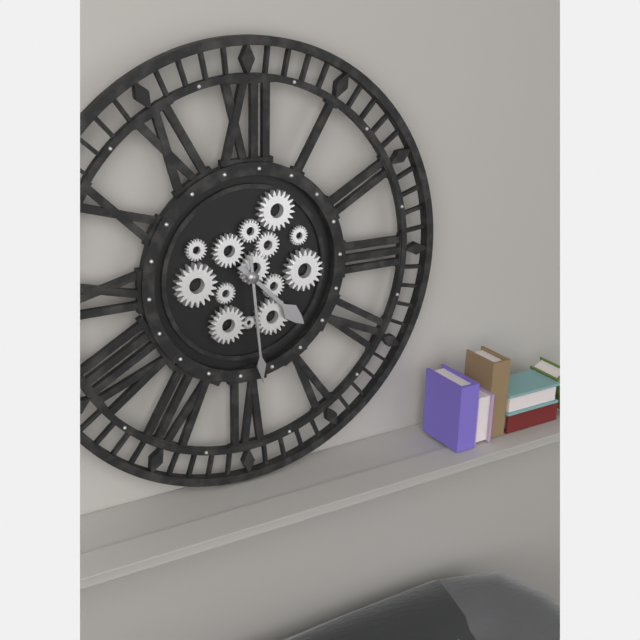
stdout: h=4 m=29
